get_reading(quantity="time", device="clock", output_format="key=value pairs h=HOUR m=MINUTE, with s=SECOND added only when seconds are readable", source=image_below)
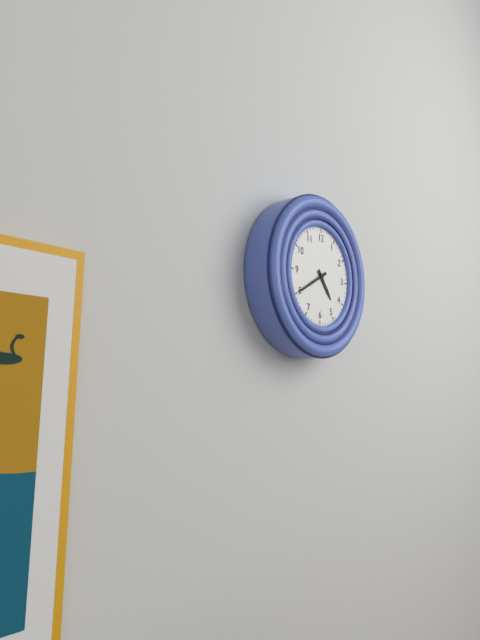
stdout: h=4 m=40
